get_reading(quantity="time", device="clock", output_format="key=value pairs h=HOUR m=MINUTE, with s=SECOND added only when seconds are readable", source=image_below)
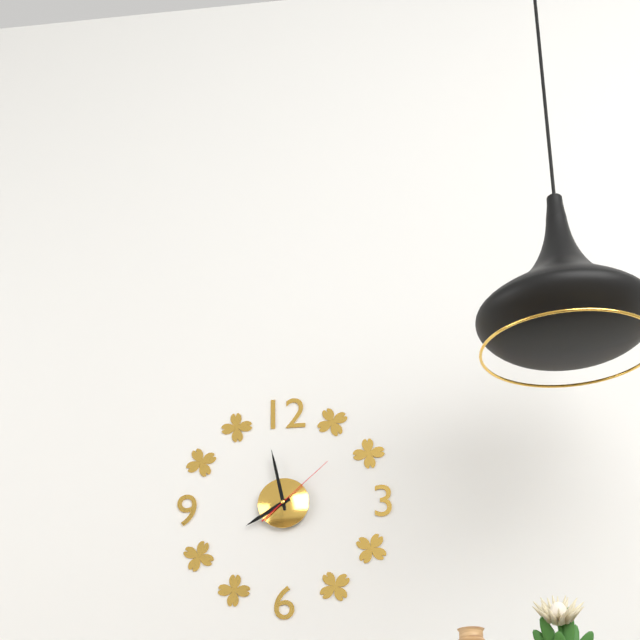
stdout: h=7 m=58 s=8
